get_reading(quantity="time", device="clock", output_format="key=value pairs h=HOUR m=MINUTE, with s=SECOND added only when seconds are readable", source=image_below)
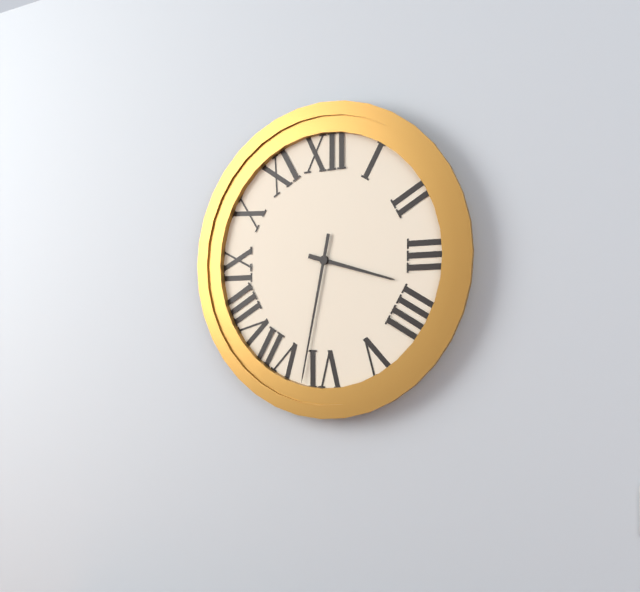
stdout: h=3 m=32
